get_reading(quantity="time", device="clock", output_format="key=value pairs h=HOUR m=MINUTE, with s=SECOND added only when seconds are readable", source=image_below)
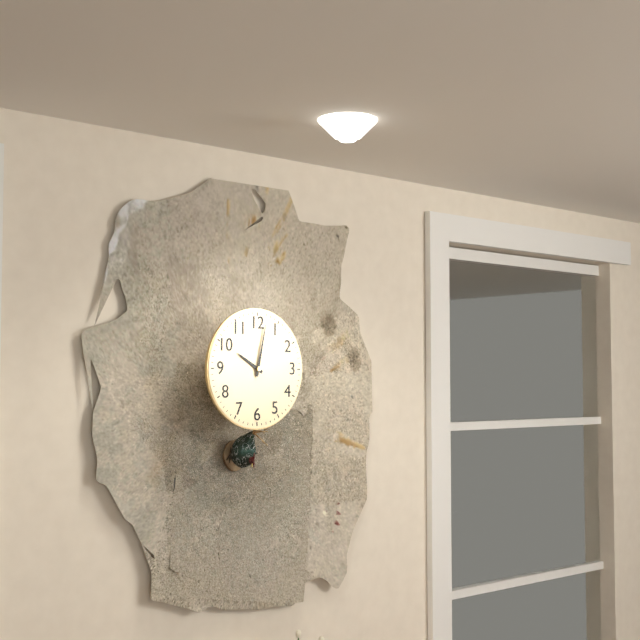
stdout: h=10 m=2
